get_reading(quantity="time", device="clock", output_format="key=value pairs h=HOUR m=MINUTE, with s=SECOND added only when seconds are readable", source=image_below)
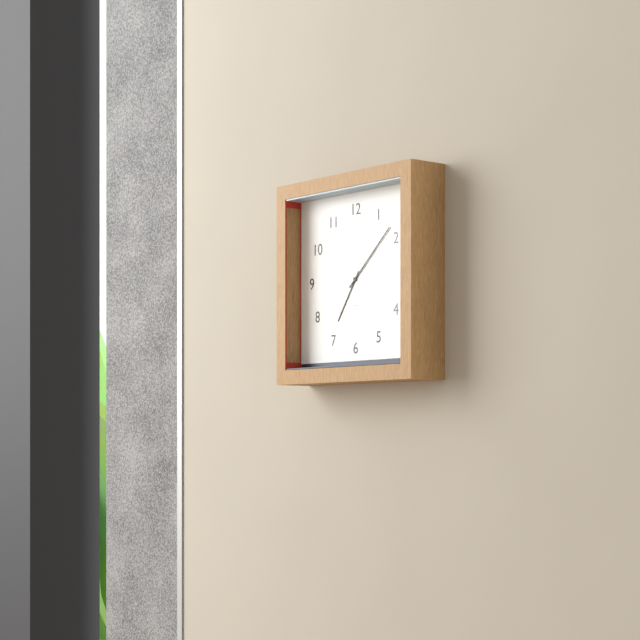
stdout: h=7 m=8
